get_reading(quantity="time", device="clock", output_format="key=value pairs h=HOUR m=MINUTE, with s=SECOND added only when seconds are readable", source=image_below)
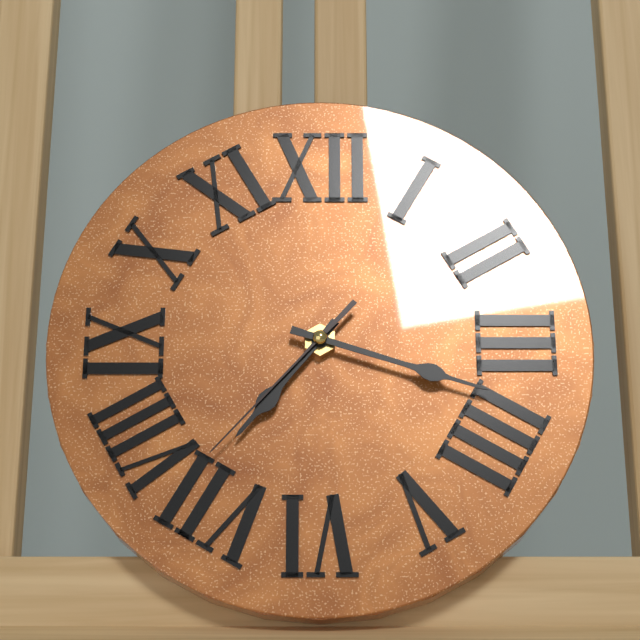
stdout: h=7 m=18 s=37
